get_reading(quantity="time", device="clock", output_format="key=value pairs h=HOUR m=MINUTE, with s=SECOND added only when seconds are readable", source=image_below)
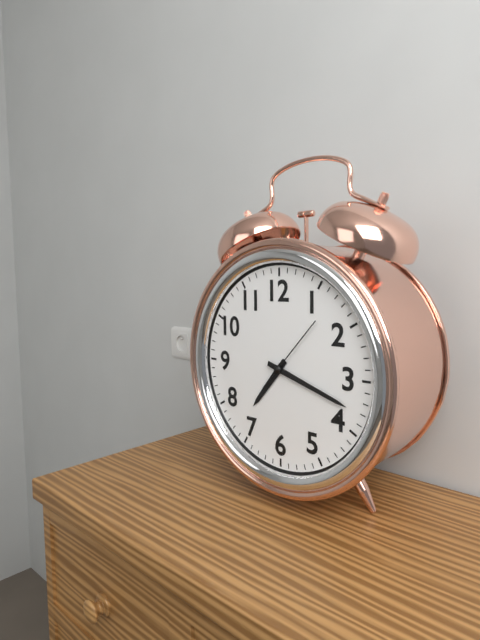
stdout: h=7 m=18 s=7
